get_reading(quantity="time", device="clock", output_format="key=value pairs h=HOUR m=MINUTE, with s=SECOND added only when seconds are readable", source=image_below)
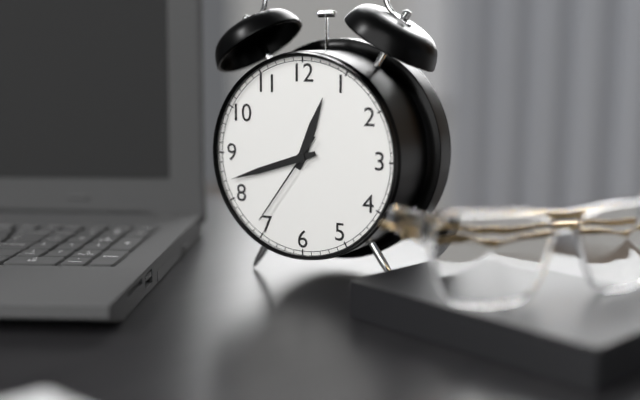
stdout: h=12 m=42 s=36
